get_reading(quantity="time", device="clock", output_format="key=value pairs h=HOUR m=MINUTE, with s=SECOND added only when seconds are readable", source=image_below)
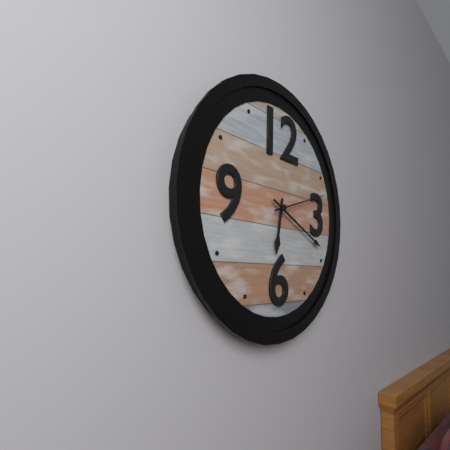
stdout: h=6 m=19 s=12
